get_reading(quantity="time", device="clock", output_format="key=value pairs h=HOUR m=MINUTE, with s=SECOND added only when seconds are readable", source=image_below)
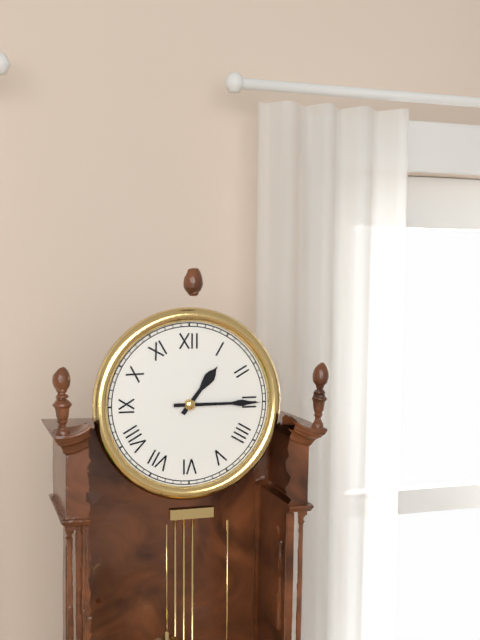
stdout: h=1 m=15
